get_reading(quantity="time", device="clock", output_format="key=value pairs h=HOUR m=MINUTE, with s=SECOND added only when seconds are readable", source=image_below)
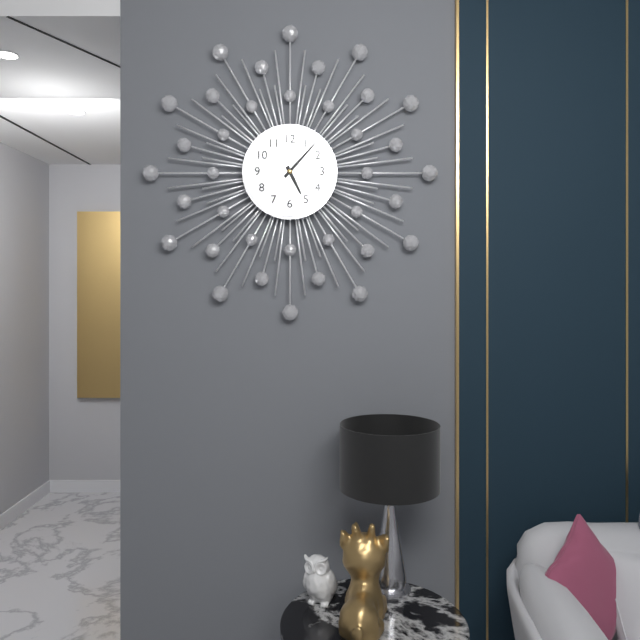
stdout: h=5 m=7
